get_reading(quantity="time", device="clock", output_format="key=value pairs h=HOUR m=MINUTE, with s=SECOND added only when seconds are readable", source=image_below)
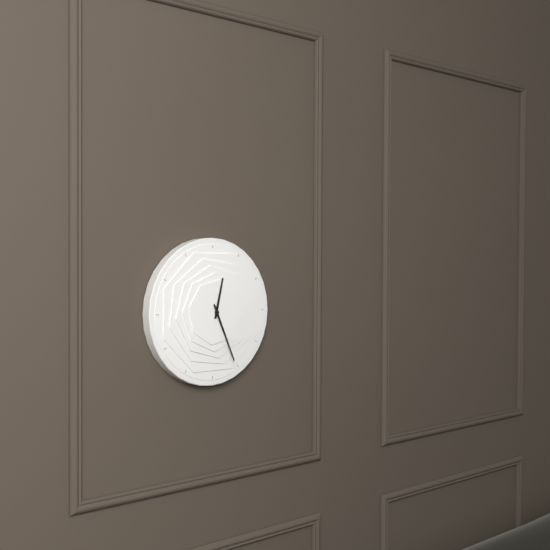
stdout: h=12 m=26
